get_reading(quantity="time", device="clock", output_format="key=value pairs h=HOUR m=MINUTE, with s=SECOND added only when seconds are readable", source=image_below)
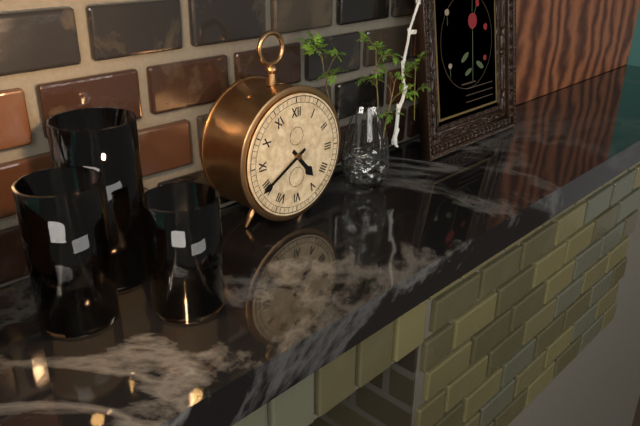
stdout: h=4 m=40
